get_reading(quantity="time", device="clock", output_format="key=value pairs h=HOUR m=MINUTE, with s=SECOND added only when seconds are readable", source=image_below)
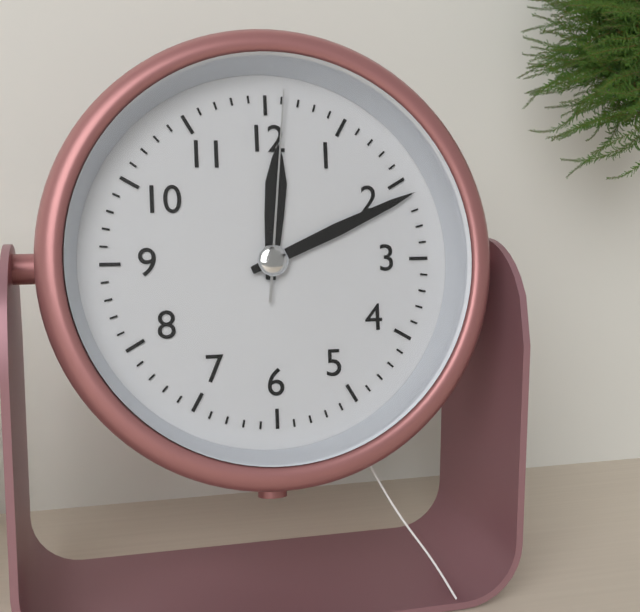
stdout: h=12 m=11 s=1
